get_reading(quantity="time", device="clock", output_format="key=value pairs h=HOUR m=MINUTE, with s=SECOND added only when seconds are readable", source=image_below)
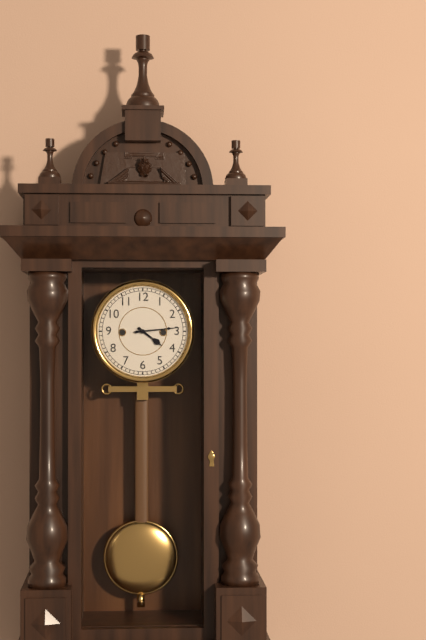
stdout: h=4 m=14
